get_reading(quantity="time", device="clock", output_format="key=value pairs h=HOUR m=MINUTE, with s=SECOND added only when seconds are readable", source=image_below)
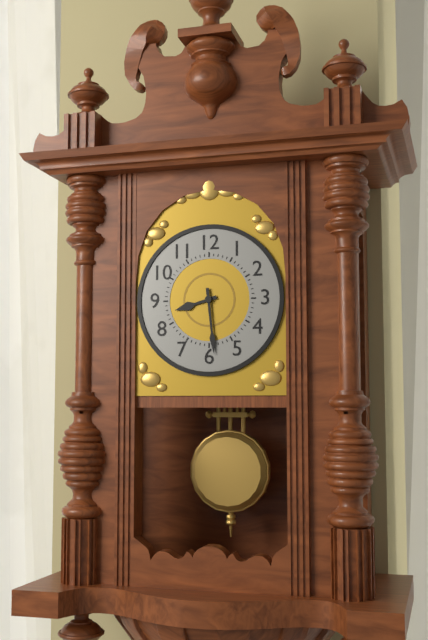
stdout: h=8 m=29
